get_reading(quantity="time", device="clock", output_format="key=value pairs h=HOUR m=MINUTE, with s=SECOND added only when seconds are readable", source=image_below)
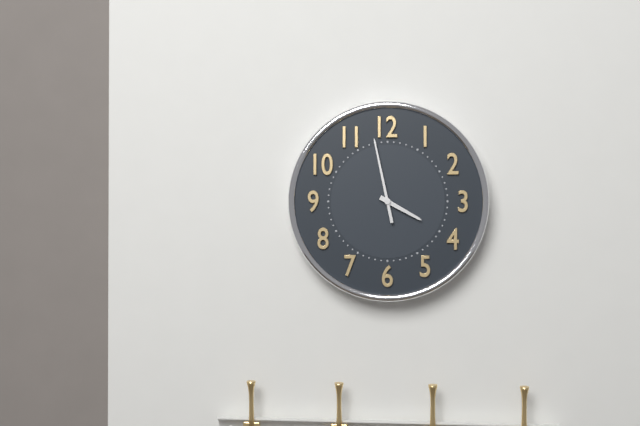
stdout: h=3 m=58
